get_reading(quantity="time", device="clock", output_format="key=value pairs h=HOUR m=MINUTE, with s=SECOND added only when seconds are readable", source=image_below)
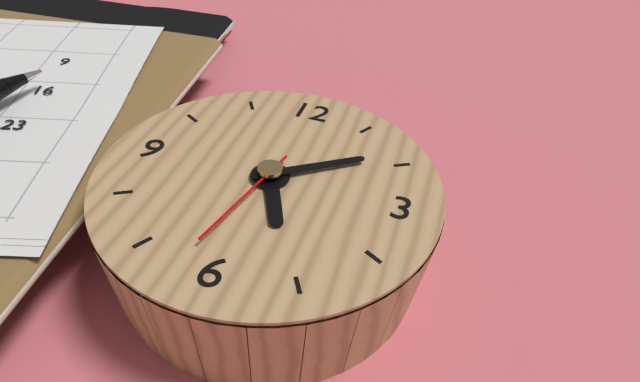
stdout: h=5 m=9 s=32
